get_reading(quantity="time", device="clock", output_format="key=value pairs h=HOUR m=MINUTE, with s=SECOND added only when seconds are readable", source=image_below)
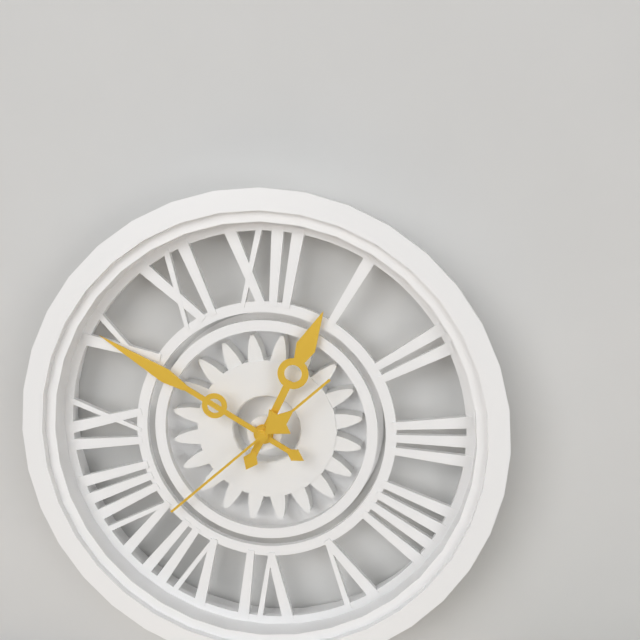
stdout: h=12 m=50 s=38
